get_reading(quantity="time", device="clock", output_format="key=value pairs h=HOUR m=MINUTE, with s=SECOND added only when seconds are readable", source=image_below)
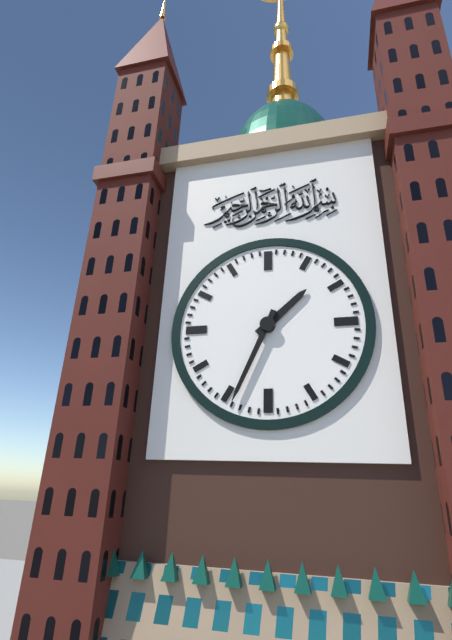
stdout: h=1 m=34
